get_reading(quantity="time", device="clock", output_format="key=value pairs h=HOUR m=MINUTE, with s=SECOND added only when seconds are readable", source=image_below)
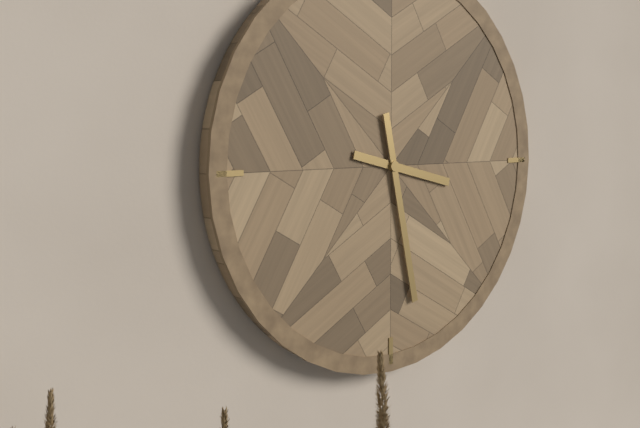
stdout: h=3 m=28
